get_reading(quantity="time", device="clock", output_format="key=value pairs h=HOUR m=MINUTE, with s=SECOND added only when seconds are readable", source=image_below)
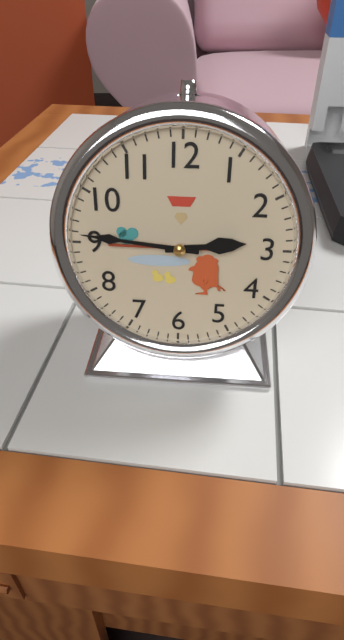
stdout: h=2 m=46
